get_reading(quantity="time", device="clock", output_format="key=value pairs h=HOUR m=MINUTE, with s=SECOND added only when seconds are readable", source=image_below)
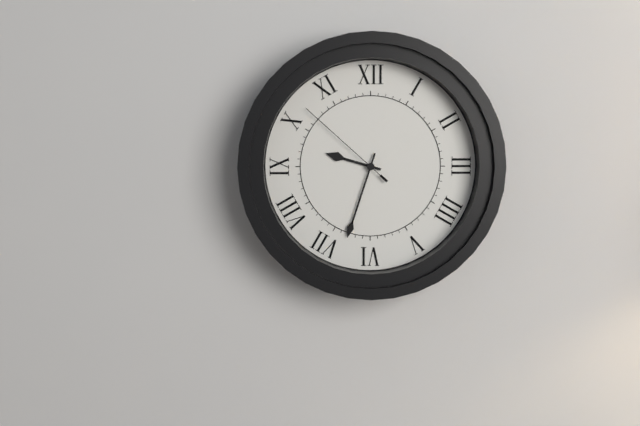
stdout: h=9 m=33 s=52
